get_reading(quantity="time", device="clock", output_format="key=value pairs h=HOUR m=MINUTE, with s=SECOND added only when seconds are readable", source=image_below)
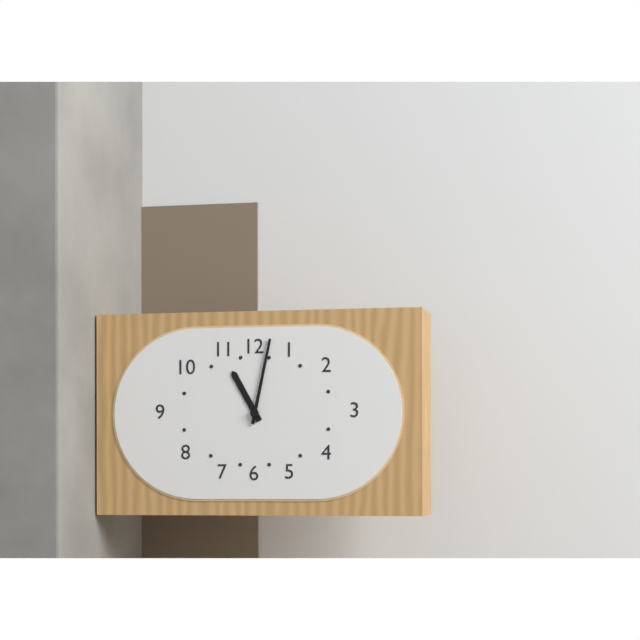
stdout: h=11 m=2
